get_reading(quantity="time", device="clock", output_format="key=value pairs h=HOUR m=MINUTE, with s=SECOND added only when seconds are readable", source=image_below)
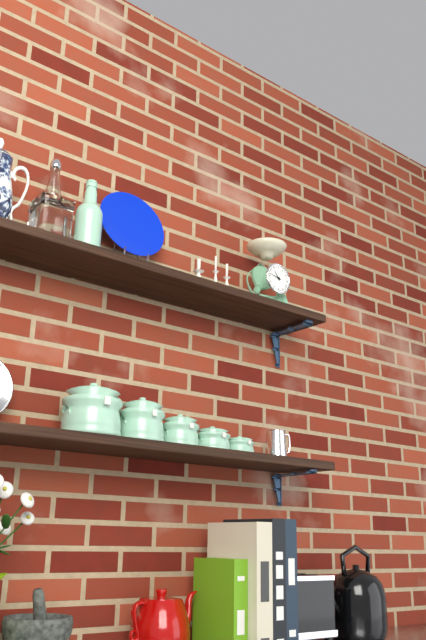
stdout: h=10 m=47
